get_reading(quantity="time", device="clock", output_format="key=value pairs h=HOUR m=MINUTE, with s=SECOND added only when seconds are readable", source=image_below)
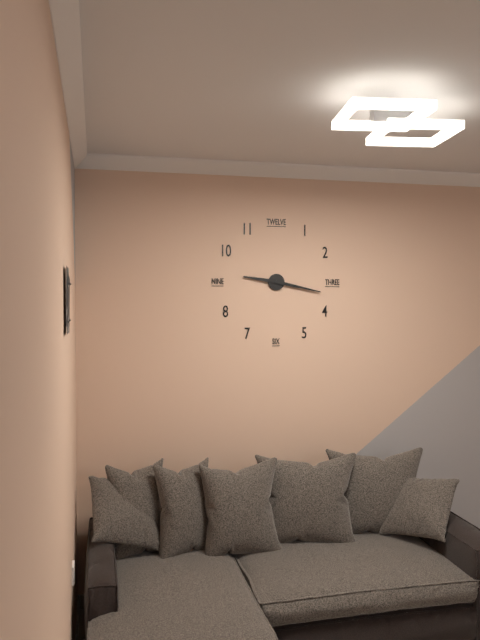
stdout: h=9 m=17
